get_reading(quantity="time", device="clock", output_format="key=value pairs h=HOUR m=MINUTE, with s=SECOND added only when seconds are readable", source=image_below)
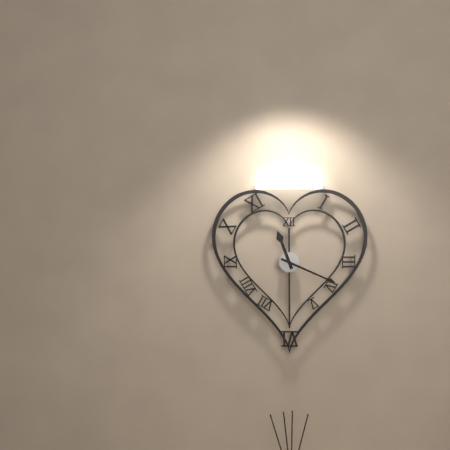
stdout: h=11 m=19
